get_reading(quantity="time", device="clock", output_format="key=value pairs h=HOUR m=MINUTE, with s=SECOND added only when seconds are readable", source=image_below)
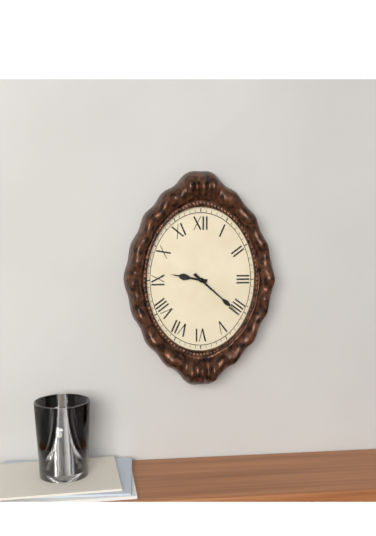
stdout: h=9 m=22
